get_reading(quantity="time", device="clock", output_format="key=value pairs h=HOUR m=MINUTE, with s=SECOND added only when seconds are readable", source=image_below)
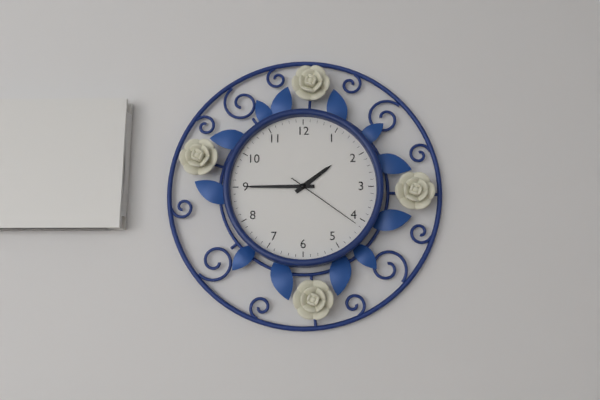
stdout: h=1 m=45 s=21
